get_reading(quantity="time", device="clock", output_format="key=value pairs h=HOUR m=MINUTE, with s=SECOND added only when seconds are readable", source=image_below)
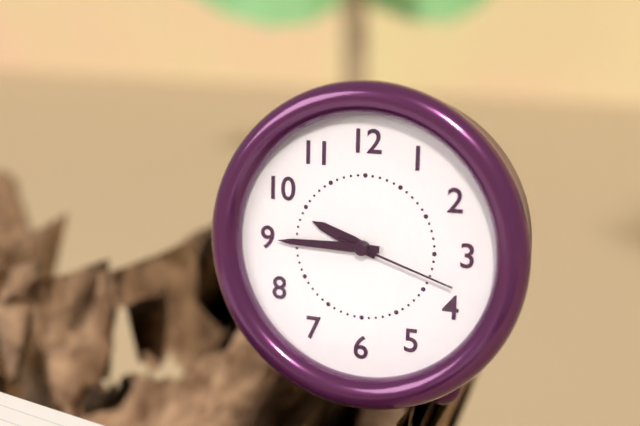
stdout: h=9 m=45 s=18
